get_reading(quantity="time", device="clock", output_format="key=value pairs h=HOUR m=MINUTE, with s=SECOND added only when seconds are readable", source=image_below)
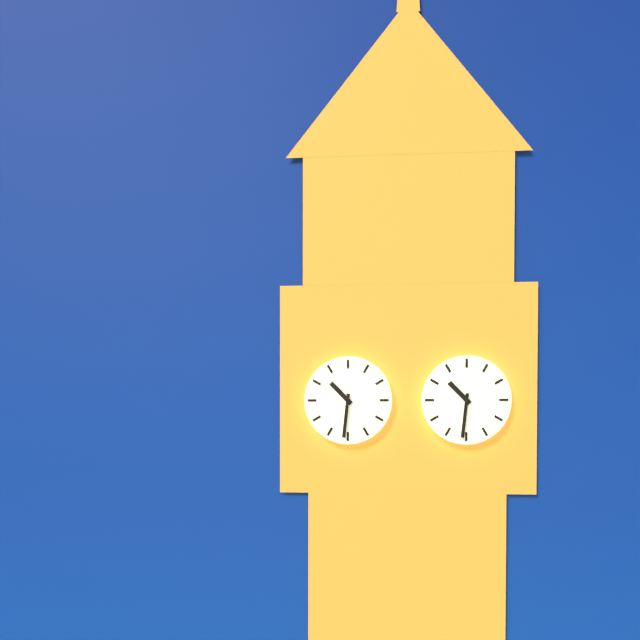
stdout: h=10 m=31
